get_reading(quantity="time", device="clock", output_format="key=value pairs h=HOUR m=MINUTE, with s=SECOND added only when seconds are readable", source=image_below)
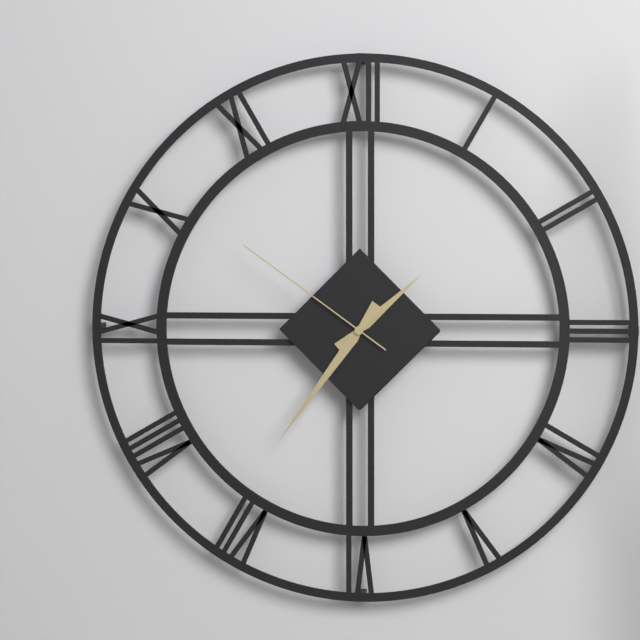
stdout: h=1 m=36 s=51
